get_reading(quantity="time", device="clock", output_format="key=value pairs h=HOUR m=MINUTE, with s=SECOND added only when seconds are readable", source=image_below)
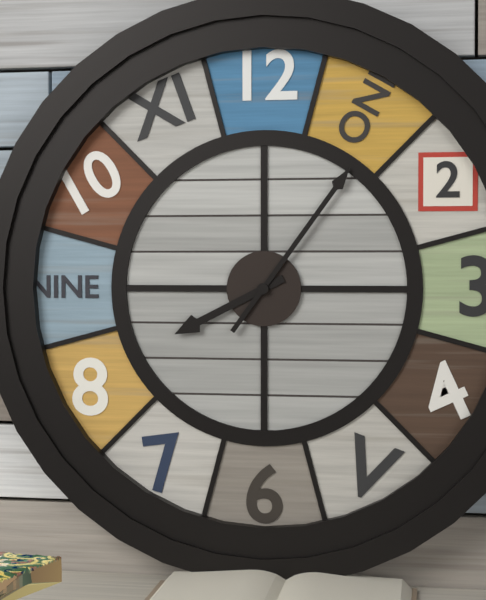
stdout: h=8 m=6
